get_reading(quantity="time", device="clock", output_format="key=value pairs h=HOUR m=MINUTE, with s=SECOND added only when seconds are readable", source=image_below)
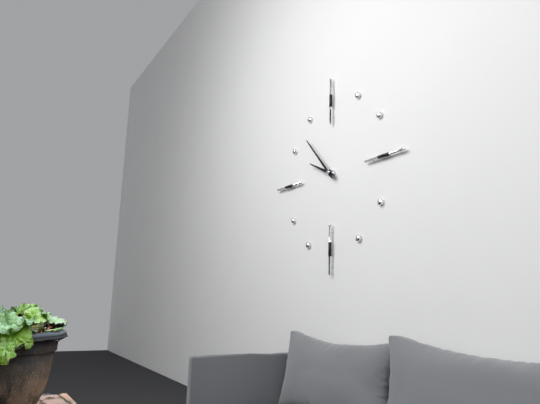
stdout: h=9 m=53
